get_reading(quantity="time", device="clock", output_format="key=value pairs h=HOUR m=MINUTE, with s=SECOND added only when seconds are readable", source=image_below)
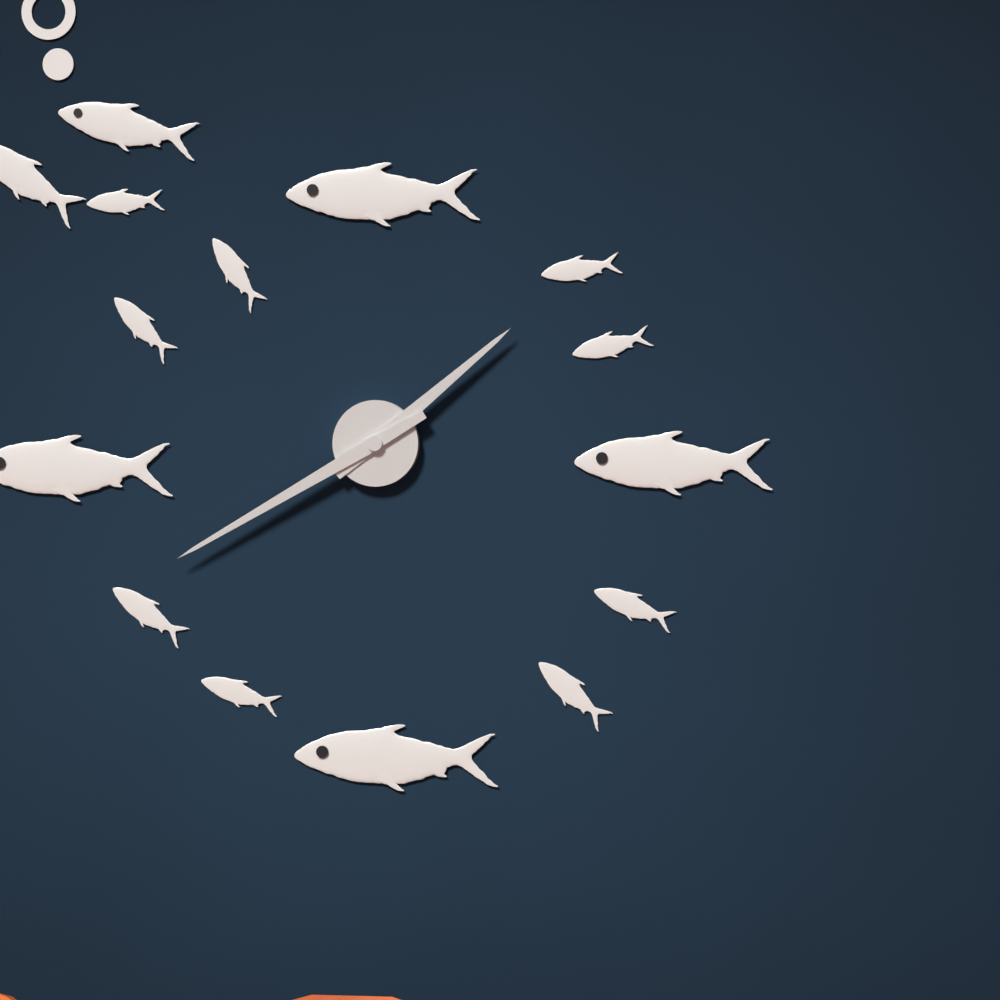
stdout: h=1 m=40
